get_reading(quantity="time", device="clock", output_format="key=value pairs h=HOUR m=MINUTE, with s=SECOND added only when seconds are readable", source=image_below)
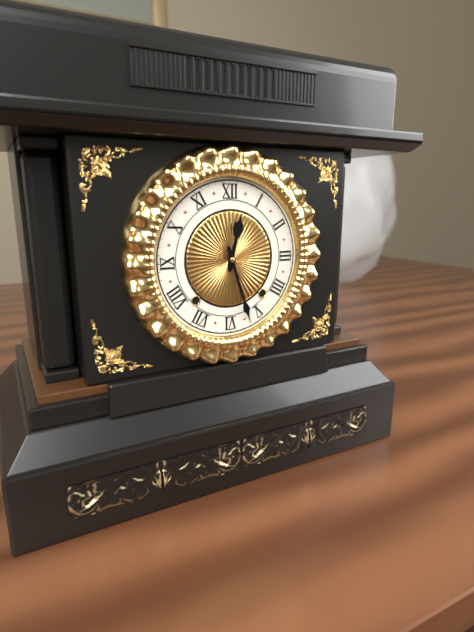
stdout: h=12 m=27
